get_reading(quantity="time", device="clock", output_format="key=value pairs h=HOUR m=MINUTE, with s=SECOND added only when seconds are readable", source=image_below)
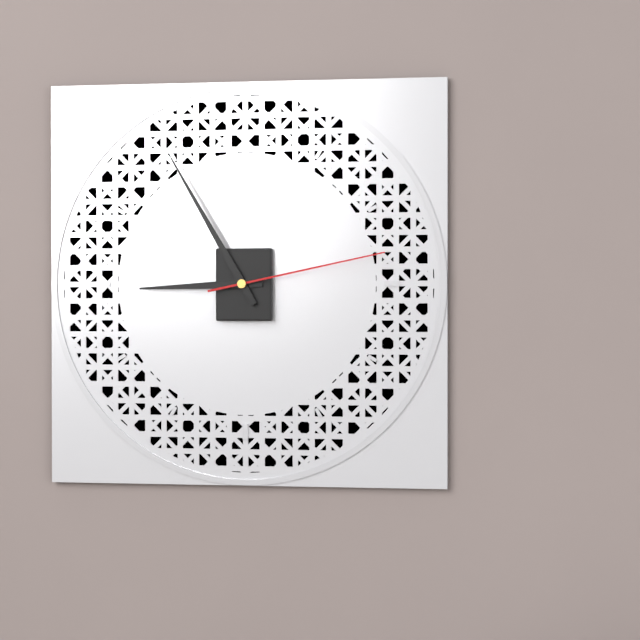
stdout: h=8 m=55 s=13
